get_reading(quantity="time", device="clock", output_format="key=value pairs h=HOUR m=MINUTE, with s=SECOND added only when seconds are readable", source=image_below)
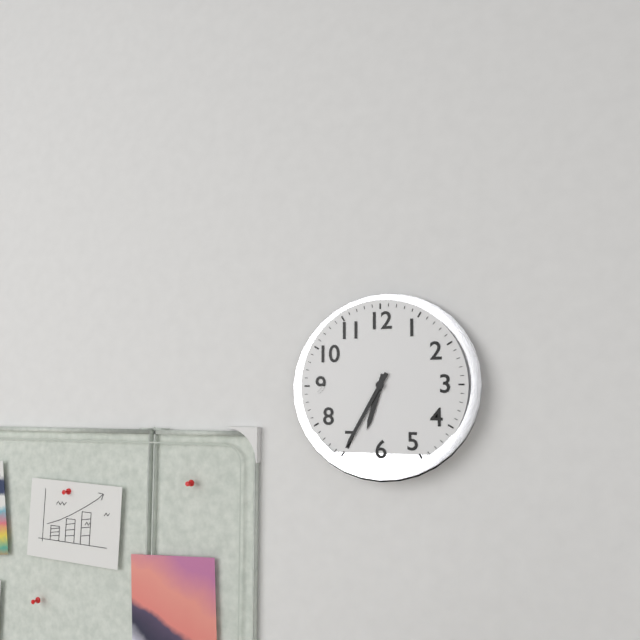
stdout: h=6 m=35
